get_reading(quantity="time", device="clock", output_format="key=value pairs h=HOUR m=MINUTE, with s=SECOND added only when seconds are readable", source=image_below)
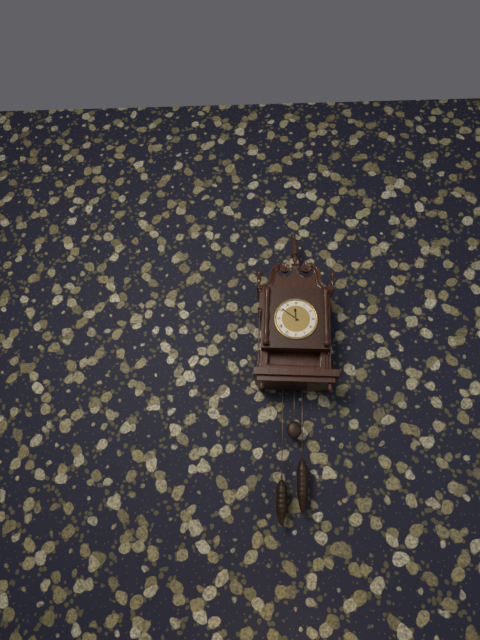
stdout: h=11 m=51
